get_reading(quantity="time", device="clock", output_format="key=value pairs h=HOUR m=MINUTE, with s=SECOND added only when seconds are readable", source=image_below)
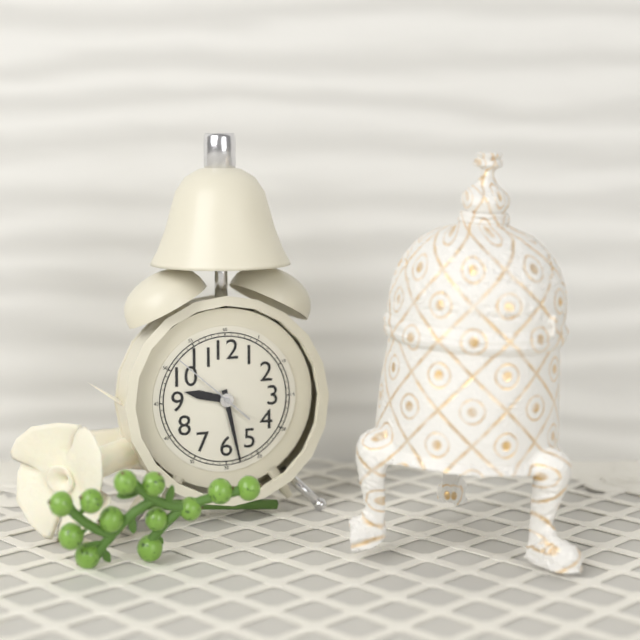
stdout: h=9 m=28 s=52
